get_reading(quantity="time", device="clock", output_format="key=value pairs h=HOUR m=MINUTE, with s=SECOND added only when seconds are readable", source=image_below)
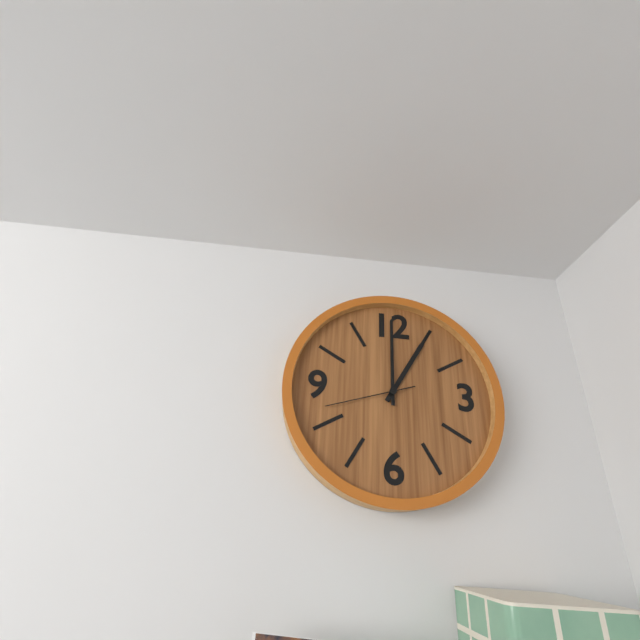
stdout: h=1 m=0 s=42
